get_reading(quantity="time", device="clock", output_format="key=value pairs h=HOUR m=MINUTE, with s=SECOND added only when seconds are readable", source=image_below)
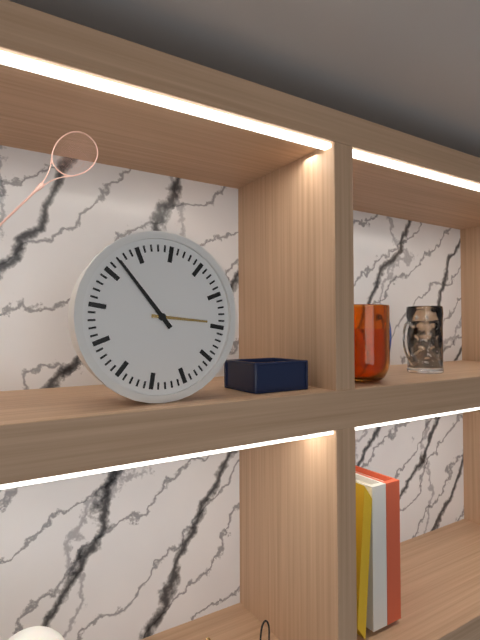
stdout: h=2 m=52
